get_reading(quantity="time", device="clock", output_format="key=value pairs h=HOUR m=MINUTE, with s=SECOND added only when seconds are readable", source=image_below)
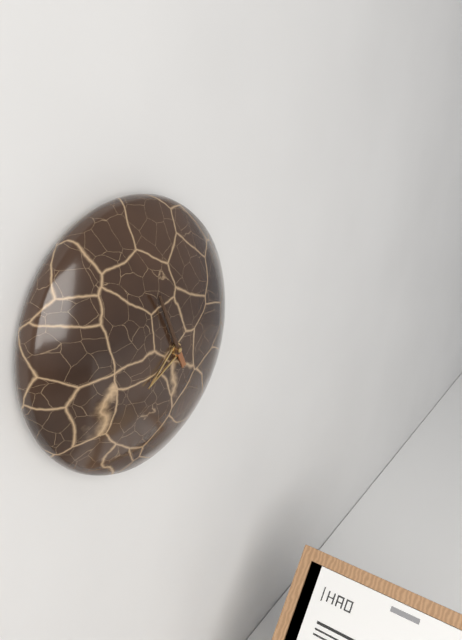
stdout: h=7 m=56
